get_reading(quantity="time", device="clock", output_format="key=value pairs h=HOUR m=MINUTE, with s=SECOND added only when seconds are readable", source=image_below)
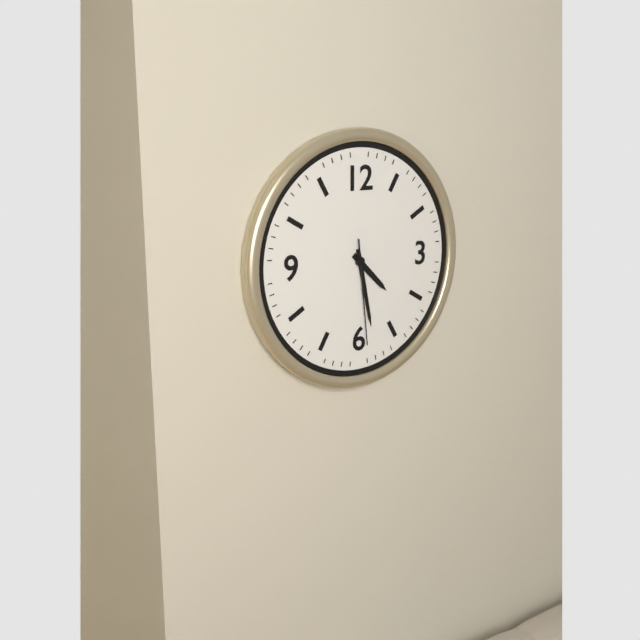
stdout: h=4 m=28 s=29
